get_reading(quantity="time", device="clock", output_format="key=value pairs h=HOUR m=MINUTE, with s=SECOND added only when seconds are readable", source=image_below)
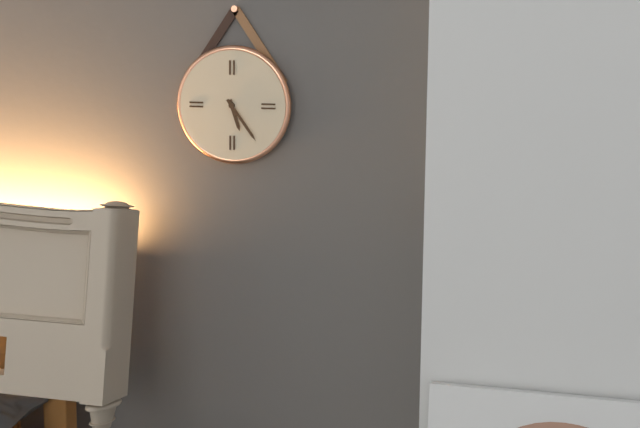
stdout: h=5 m=24
